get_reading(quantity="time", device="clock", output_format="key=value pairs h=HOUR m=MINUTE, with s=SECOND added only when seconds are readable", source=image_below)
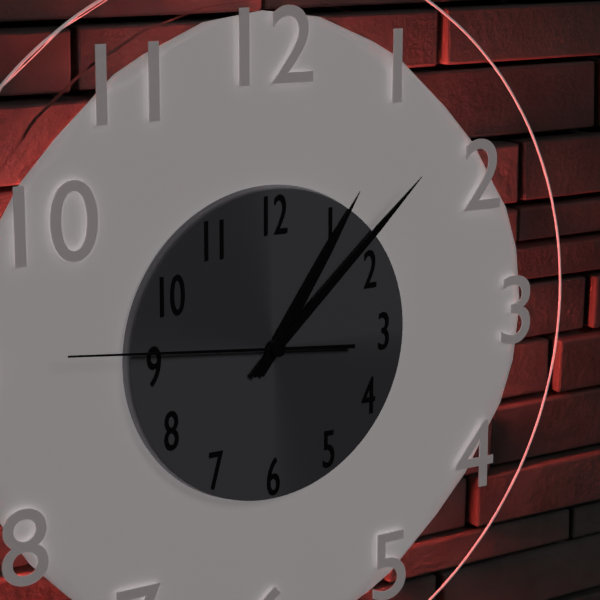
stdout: h=1 m=8 s=46
